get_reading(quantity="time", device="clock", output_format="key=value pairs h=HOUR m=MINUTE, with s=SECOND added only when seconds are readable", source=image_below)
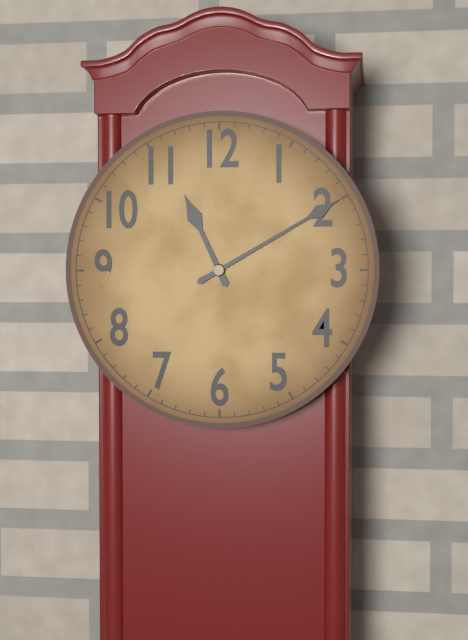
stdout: h=11 m=10
